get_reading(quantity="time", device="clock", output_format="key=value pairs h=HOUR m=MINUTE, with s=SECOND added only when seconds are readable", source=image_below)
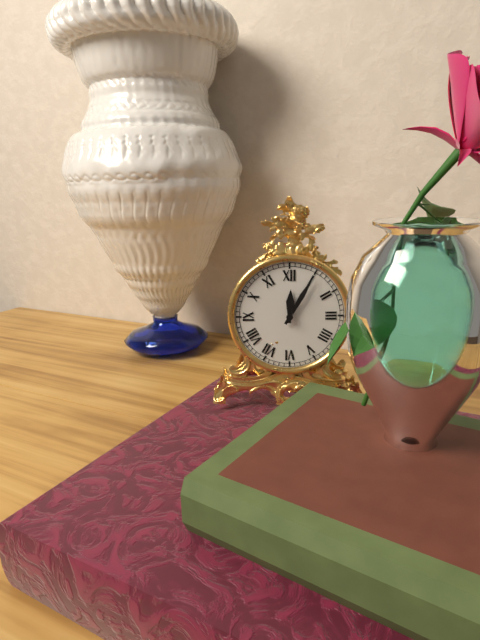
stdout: h=12 m=5
